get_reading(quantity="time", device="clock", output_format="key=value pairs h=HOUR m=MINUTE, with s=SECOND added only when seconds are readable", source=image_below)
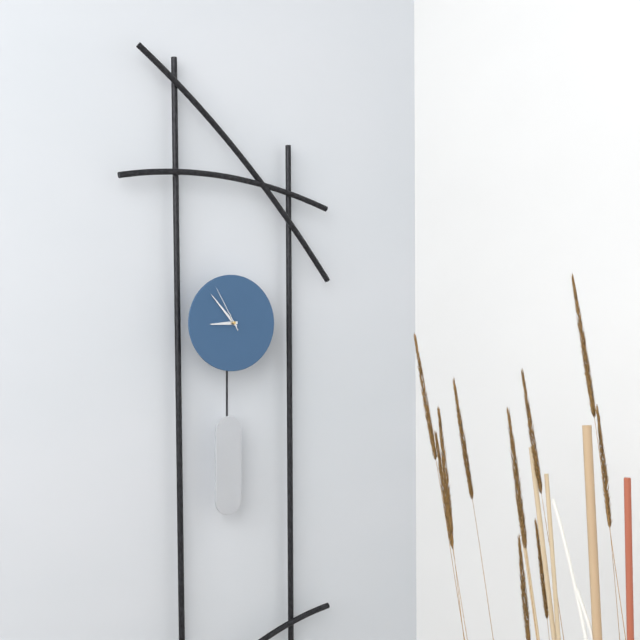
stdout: h=8 m=53 s=55
